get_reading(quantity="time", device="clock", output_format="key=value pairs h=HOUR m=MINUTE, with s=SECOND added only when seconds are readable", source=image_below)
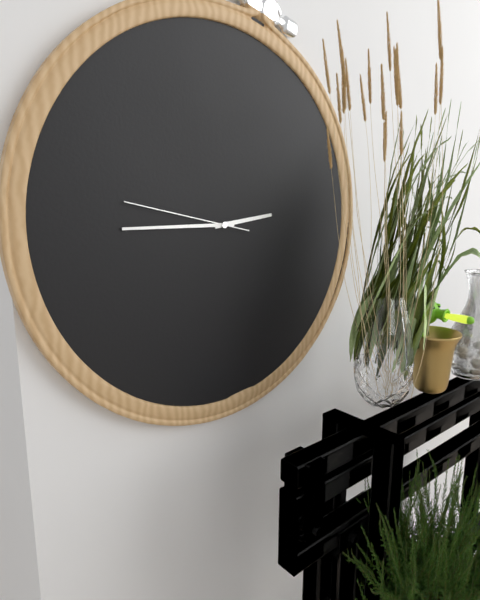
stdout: h=2 m=45 s=47
